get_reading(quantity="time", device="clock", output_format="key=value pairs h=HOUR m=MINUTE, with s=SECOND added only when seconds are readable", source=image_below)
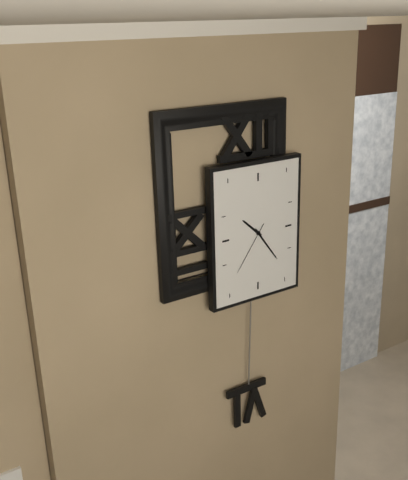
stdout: h=10 m=24 s=36
